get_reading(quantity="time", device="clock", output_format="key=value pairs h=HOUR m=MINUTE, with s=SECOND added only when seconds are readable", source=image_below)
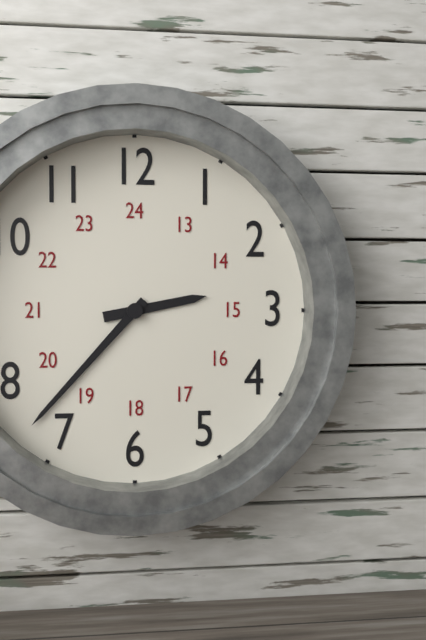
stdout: h=2 m=37
